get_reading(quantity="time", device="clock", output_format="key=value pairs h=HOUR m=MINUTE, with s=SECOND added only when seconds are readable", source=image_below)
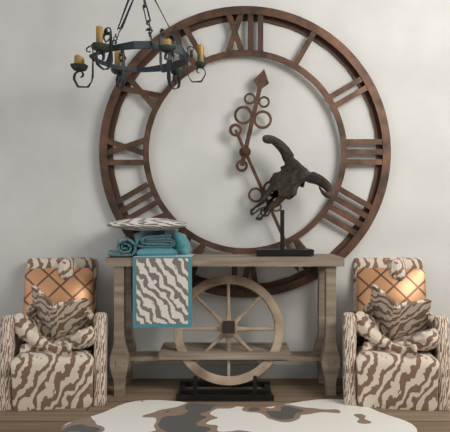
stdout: h=12 m=26
